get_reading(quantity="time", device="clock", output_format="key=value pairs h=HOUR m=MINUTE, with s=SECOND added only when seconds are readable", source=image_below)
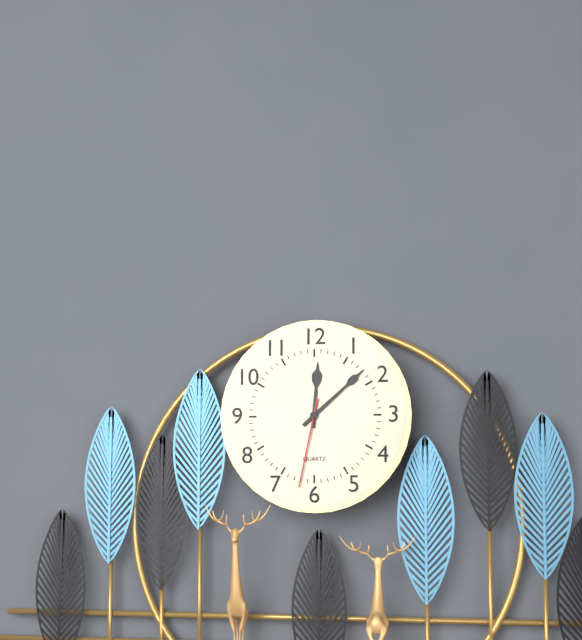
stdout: h=12 m=8 s=32
